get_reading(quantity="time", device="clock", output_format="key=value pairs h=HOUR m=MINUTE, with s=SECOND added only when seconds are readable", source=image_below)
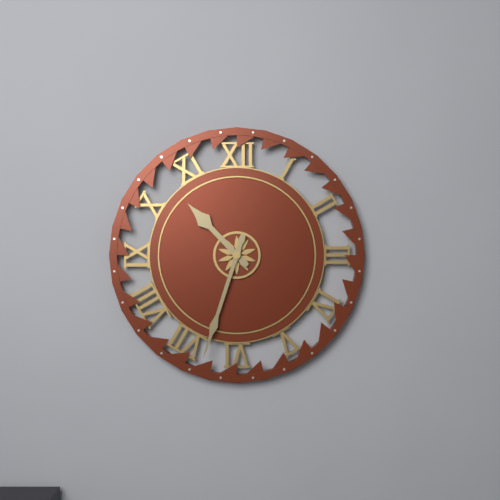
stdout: h=10 m=33
